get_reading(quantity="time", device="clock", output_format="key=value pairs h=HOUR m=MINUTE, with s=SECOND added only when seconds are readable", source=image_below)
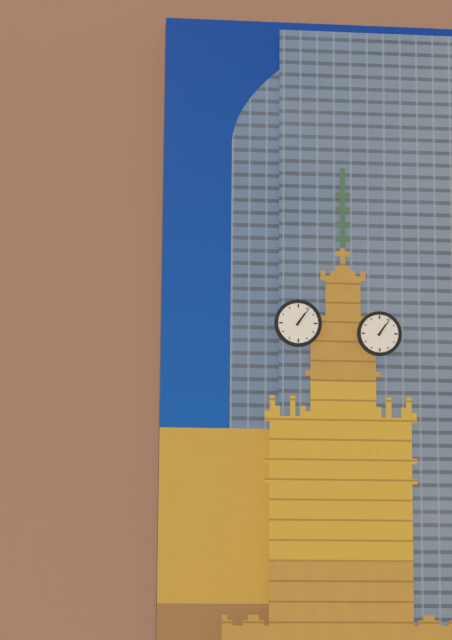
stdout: h=1 m=6
